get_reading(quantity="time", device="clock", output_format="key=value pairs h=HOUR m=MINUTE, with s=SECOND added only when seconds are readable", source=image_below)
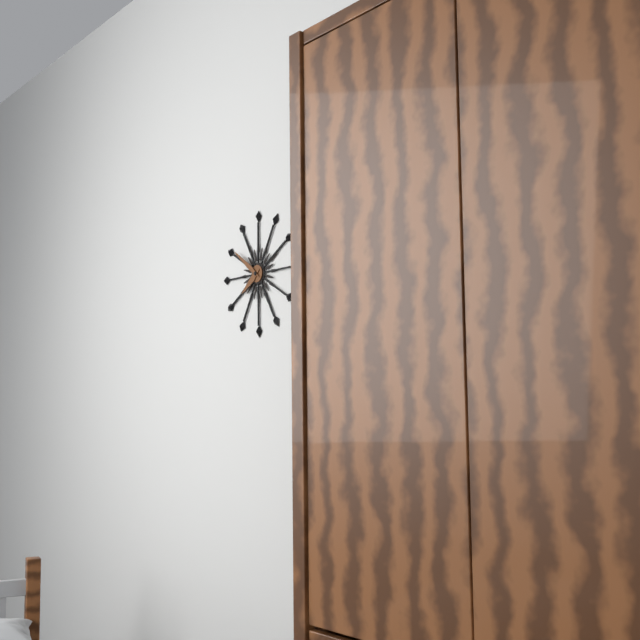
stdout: h=7 m=51
